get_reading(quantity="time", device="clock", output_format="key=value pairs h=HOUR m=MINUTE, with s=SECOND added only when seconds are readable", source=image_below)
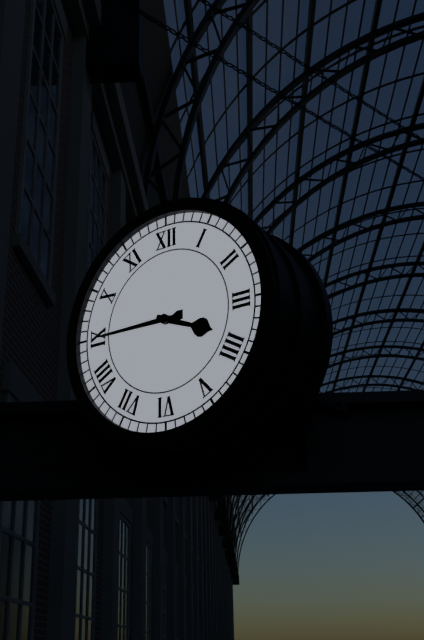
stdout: h=3 m=45
